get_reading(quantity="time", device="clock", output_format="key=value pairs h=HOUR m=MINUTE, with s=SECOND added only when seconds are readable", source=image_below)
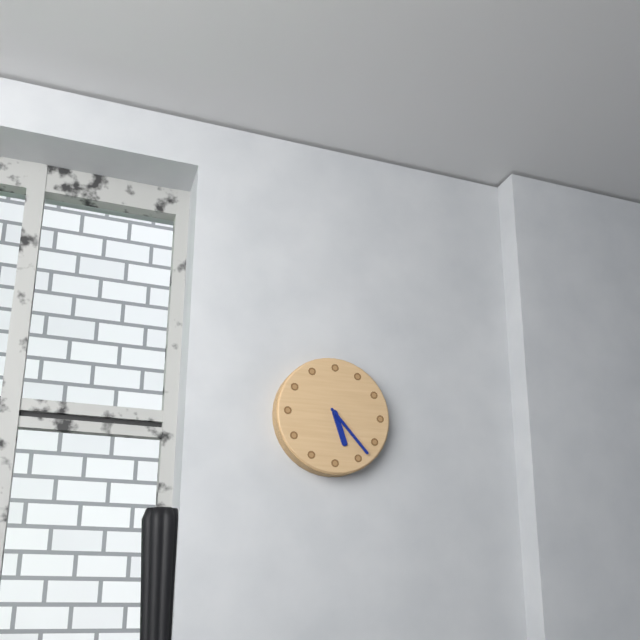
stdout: h=5 m=23
